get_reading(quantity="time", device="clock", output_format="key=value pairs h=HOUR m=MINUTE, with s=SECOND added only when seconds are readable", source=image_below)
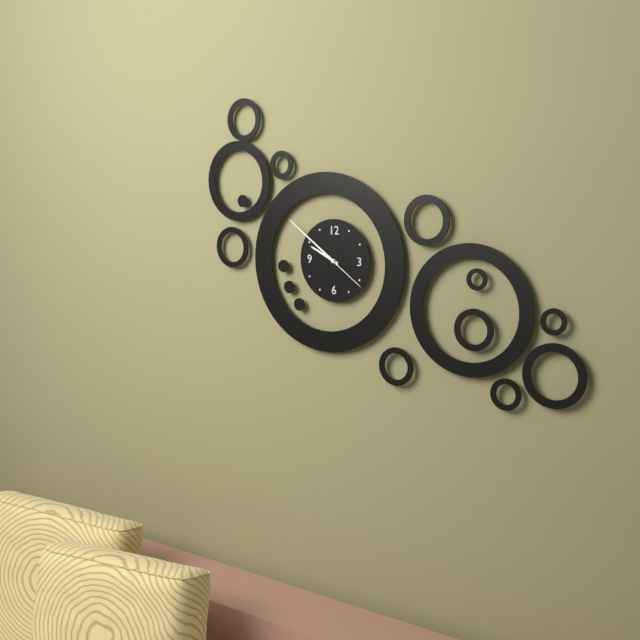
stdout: h=9 m=51
